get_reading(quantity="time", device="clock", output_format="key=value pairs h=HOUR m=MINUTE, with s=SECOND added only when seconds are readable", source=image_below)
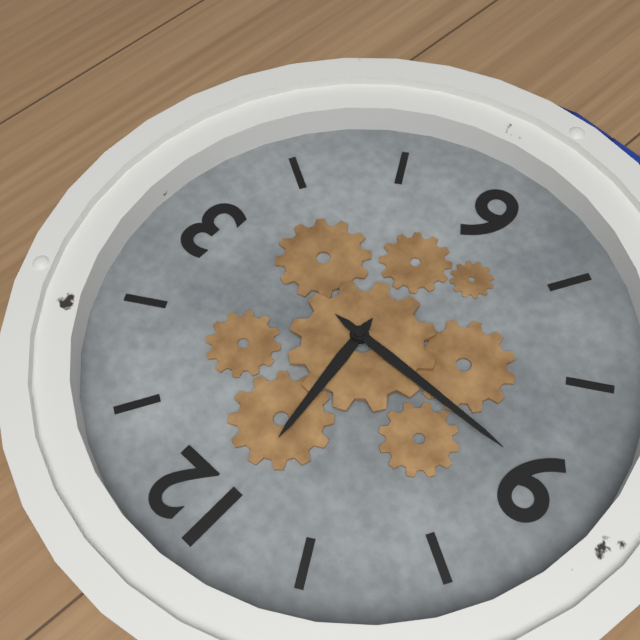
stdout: h=11 m=45
